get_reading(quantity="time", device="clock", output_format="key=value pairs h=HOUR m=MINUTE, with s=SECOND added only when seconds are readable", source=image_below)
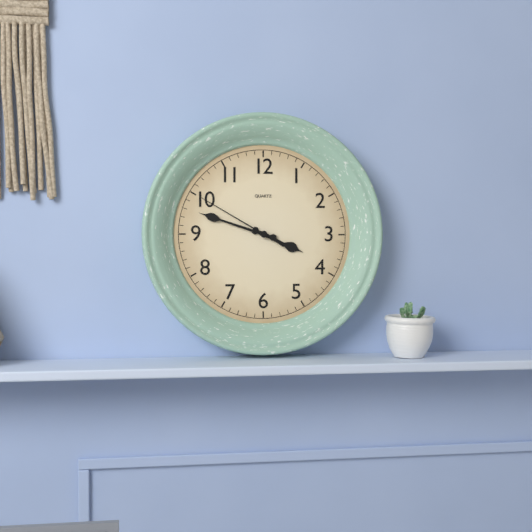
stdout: h=3 m=48 s=50
